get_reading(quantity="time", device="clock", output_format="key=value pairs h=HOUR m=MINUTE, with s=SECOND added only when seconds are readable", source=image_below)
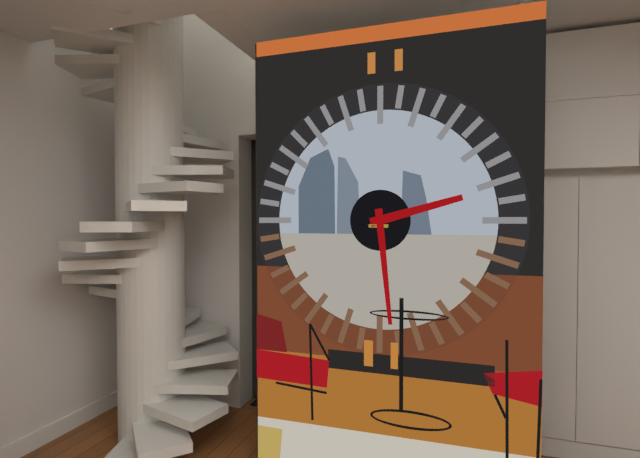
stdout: h=2 m=29
